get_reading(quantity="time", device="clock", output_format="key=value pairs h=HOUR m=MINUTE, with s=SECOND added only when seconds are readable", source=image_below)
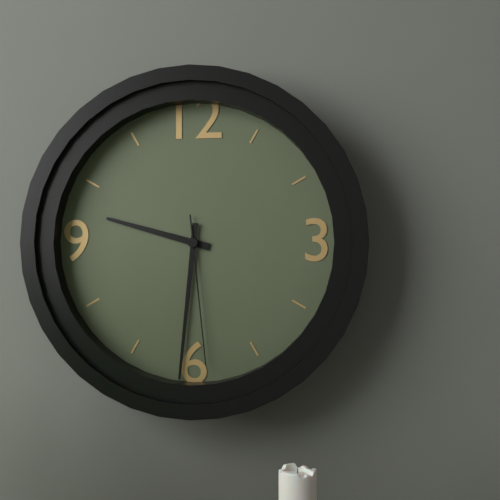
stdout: h=9 m=31 s=29
